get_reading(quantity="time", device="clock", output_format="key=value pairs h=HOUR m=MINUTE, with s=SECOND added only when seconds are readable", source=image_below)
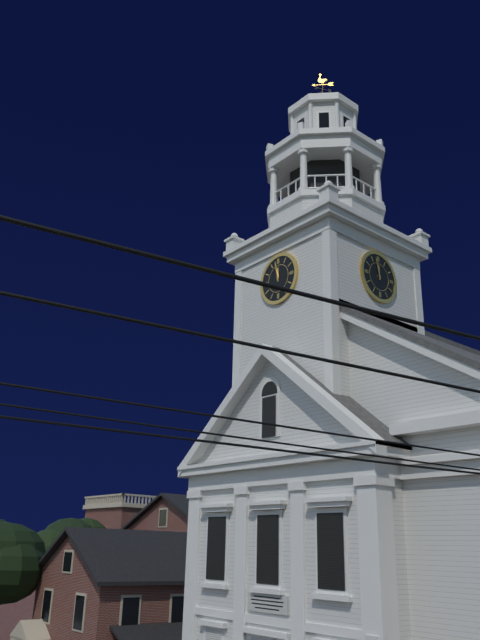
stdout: h=11 m=58
